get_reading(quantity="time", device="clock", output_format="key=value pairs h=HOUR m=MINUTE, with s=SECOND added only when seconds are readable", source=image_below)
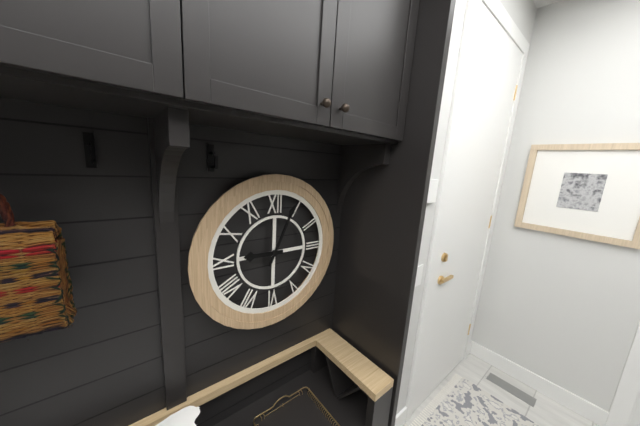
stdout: h=9 m=4
